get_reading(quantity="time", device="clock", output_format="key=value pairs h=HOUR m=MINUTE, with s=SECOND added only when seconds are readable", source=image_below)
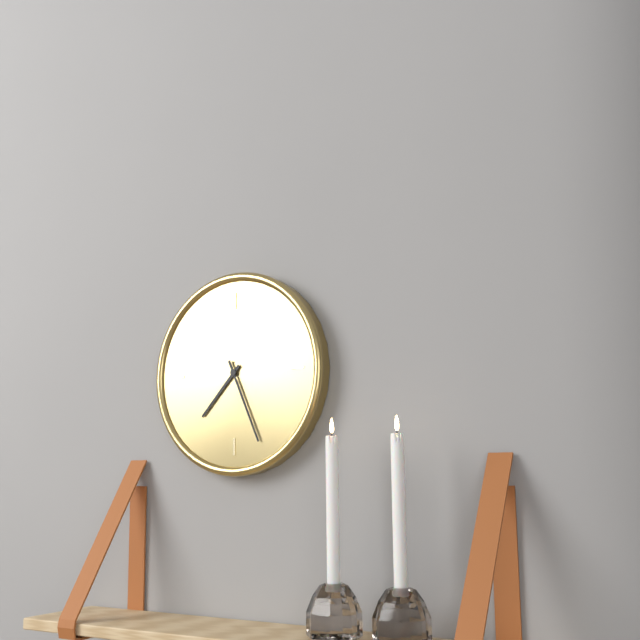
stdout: h=7 m=26
